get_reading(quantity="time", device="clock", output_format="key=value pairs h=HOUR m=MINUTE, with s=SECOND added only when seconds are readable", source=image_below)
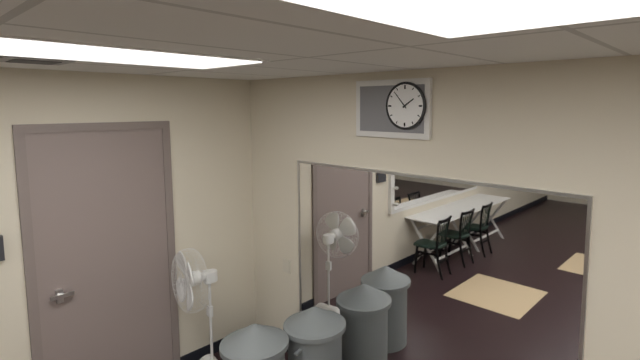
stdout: h=1 m=53
